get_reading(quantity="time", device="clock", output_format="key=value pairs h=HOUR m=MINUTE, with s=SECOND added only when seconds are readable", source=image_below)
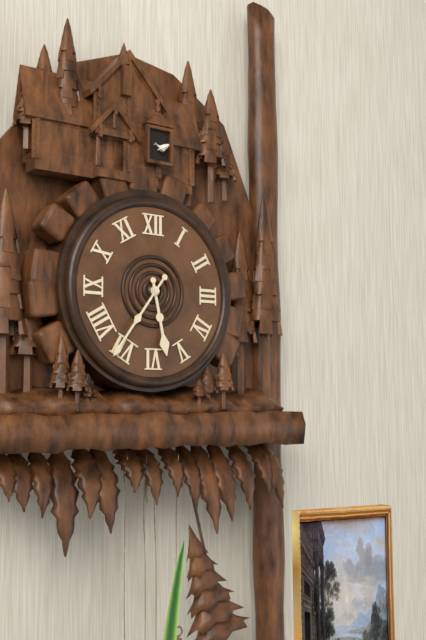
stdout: h=5 m=36
